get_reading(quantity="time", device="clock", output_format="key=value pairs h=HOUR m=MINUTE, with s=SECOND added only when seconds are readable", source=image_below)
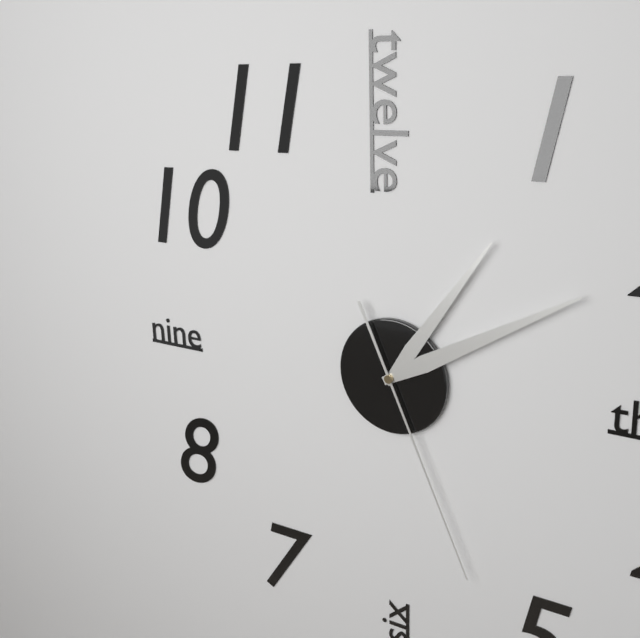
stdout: h=1 m=10 s=26
